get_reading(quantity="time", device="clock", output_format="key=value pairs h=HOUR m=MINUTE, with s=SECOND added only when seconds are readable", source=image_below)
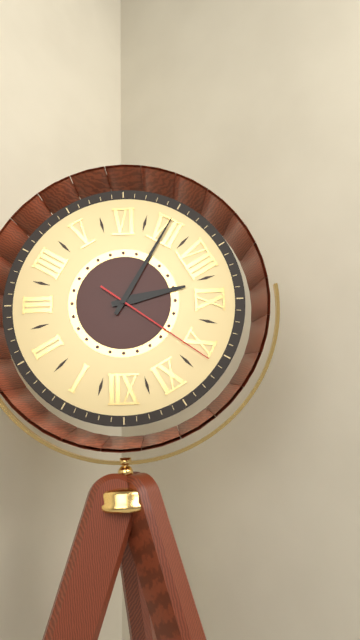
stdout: h=8 m=35 s=51
